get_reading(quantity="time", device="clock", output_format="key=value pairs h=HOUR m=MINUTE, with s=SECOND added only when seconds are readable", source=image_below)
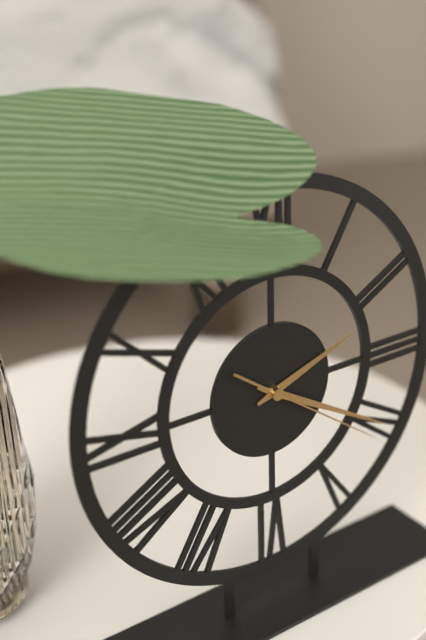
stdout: h=2 m=20 s=21
